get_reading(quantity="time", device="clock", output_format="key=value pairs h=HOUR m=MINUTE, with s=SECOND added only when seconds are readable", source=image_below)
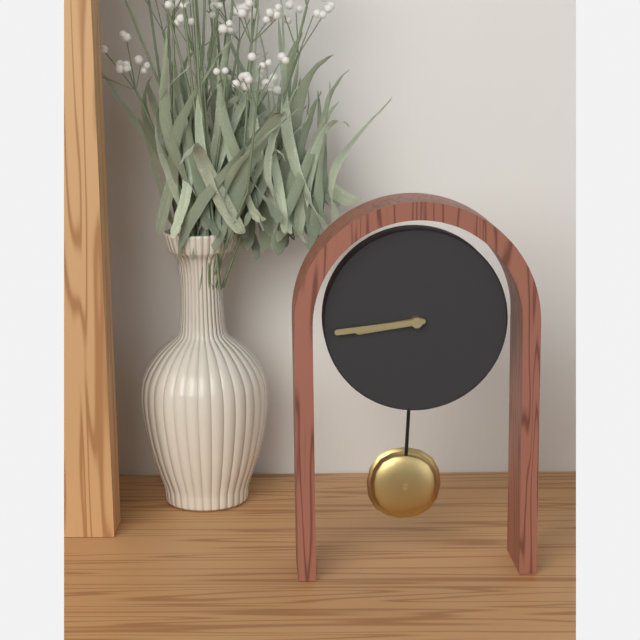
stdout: h=8 m=44
